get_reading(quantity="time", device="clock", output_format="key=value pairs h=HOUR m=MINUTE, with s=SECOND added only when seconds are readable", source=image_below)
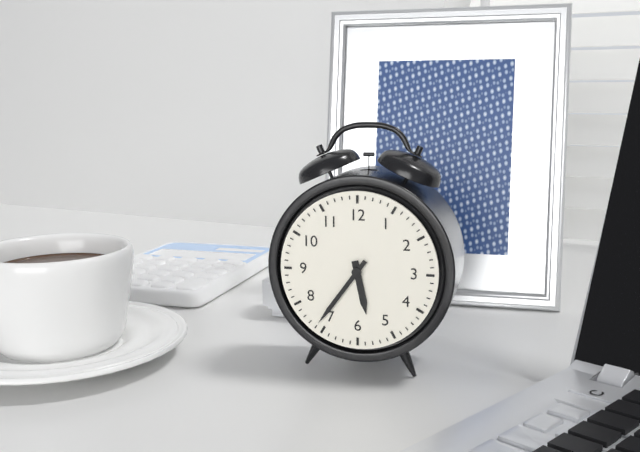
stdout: h=5 m=36
